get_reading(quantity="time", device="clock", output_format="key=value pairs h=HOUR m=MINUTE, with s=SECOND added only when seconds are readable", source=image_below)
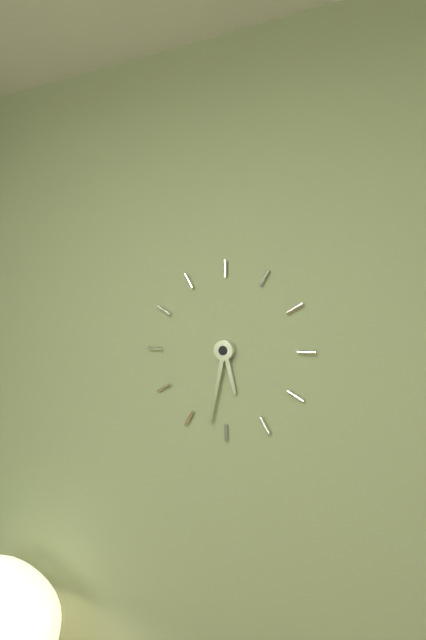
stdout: h=5 m=32
